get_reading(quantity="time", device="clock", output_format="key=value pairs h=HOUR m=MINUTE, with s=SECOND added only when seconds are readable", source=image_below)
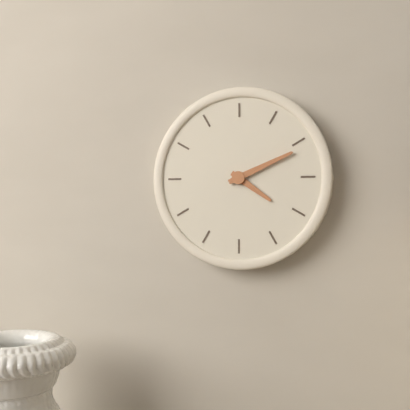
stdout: h=4 m=11
